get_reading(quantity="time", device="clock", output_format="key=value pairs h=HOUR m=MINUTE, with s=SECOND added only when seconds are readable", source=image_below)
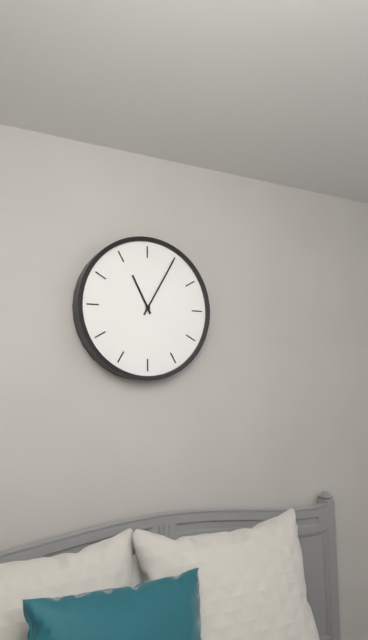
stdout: h=11 m=5
